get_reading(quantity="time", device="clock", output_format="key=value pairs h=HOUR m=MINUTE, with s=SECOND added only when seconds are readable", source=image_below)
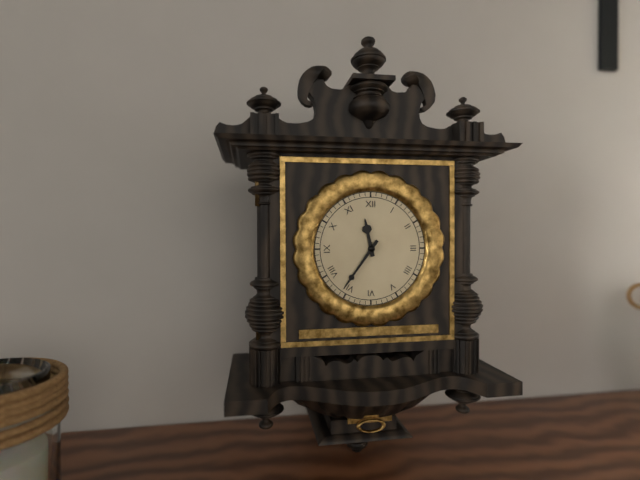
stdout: h=11 m=36
